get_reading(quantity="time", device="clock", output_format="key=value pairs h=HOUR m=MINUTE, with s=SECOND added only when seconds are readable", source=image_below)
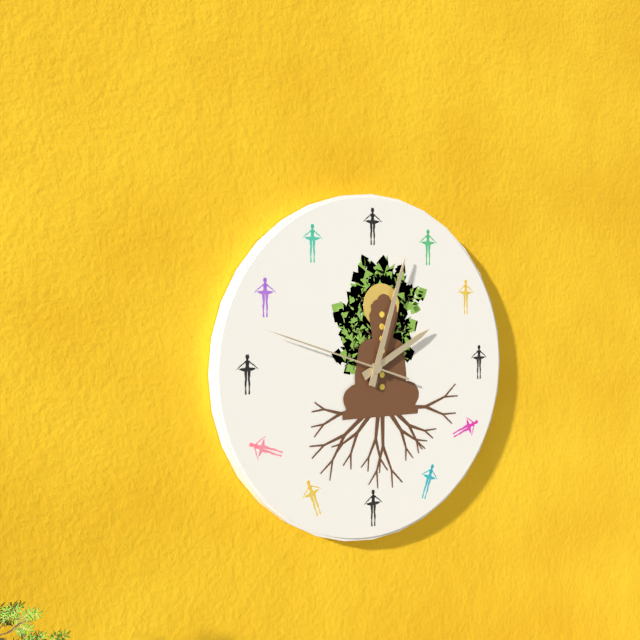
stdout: h=2 m=3 s=48
